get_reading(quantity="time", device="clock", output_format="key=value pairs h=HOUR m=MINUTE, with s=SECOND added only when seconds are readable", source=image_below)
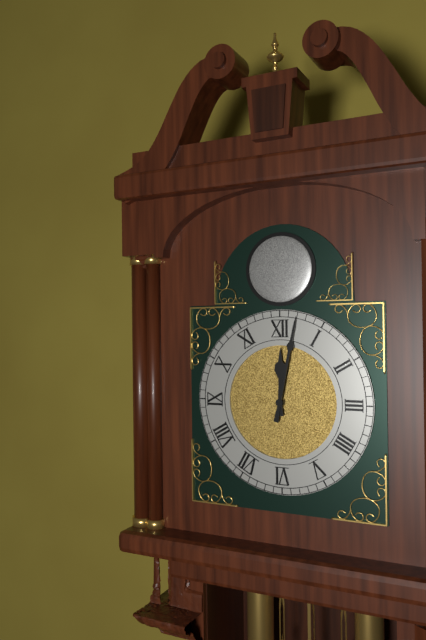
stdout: h=12 m=2
